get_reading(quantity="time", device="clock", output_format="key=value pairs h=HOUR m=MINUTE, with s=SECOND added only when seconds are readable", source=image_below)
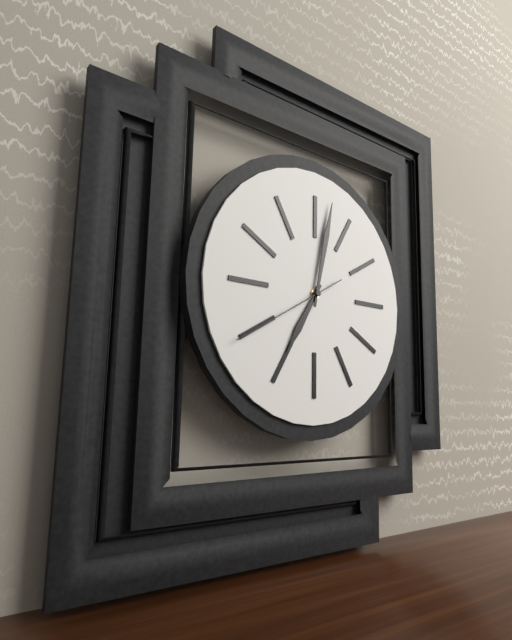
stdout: h=7 m=2 s=40
